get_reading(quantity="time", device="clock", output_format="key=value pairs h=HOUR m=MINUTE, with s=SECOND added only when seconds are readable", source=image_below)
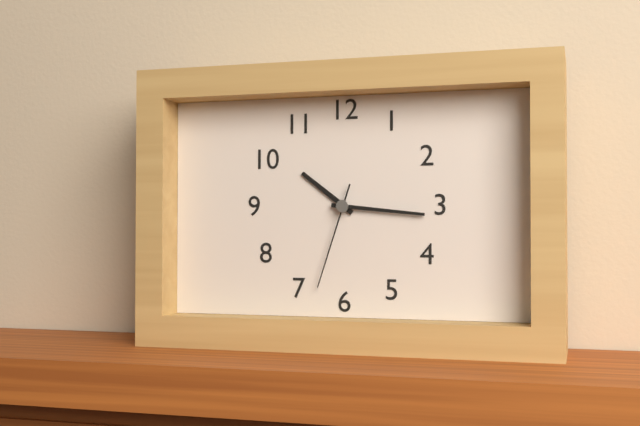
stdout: h=10 m=16 s=33
